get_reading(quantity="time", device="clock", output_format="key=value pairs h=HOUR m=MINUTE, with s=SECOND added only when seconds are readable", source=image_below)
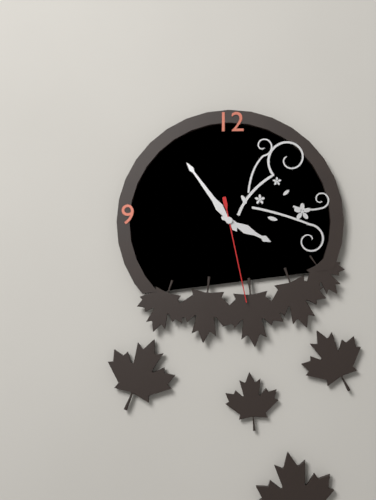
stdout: h=3 m=54 s=28
